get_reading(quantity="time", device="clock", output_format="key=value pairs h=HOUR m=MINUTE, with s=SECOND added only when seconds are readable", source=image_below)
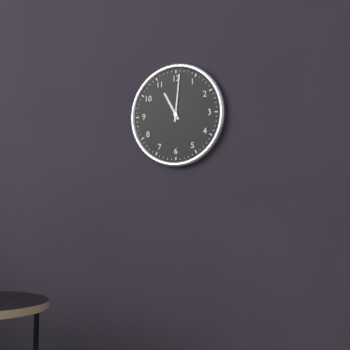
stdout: h=11 m=1
